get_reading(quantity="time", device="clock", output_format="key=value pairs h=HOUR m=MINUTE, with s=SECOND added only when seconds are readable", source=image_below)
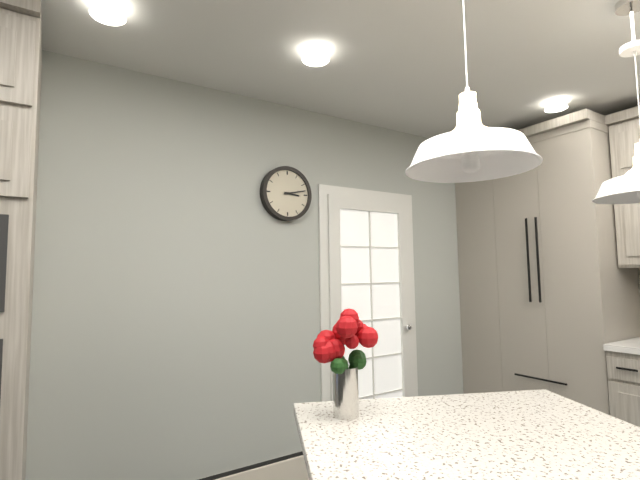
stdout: h=3 m=13
